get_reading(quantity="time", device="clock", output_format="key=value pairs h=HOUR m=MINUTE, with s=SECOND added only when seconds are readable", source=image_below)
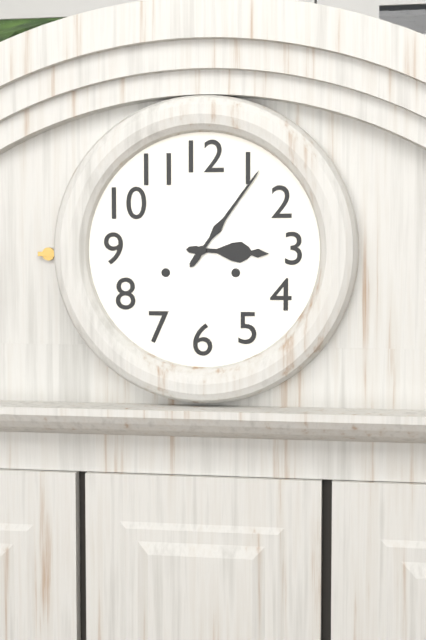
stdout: h=3 m=6
